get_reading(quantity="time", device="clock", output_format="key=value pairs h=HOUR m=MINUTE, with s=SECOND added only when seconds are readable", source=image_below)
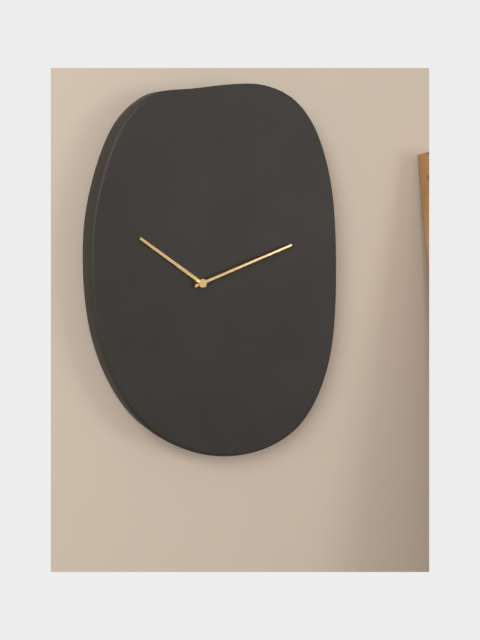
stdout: h=10 m=12
